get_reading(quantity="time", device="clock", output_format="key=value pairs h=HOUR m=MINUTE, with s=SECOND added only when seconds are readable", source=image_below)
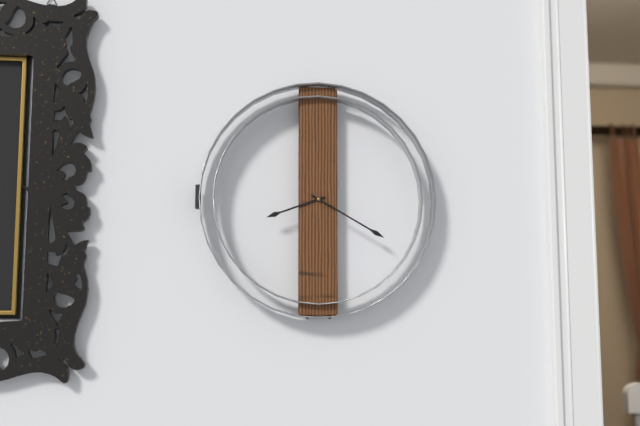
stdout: h=8 m=20
